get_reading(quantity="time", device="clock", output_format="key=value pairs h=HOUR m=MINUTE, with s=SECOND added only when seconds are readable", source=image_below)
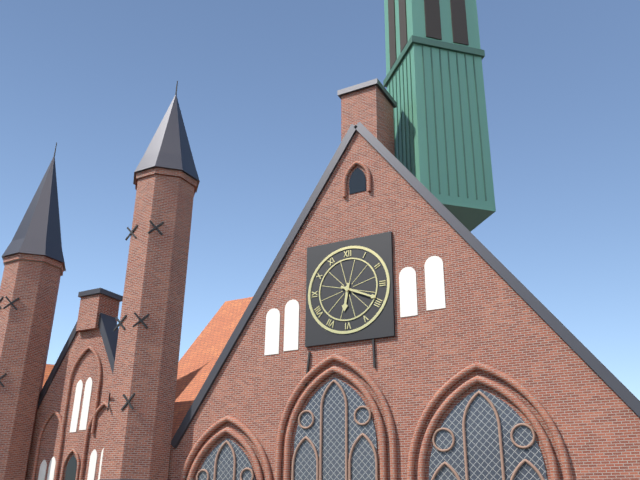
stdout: h=6 m=19
